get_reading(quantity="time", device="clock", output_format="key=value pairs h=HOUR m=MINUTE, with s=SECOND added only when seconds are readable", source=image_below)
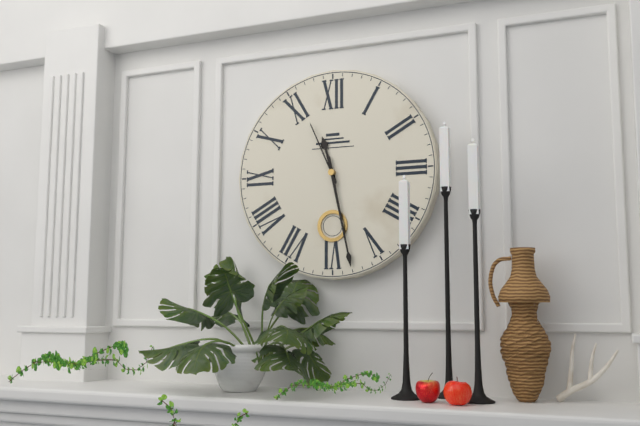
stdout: h=11 m=28 s=56
